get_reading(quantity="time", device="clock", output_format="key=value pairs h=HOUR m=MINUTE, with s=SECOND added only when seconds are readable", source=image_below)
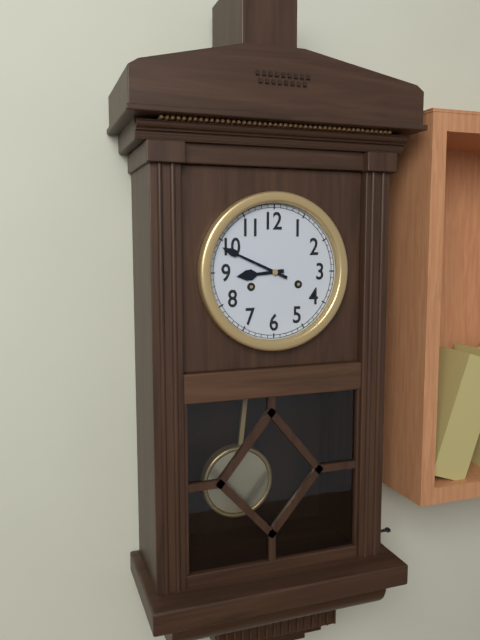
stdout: h=8 m=49
